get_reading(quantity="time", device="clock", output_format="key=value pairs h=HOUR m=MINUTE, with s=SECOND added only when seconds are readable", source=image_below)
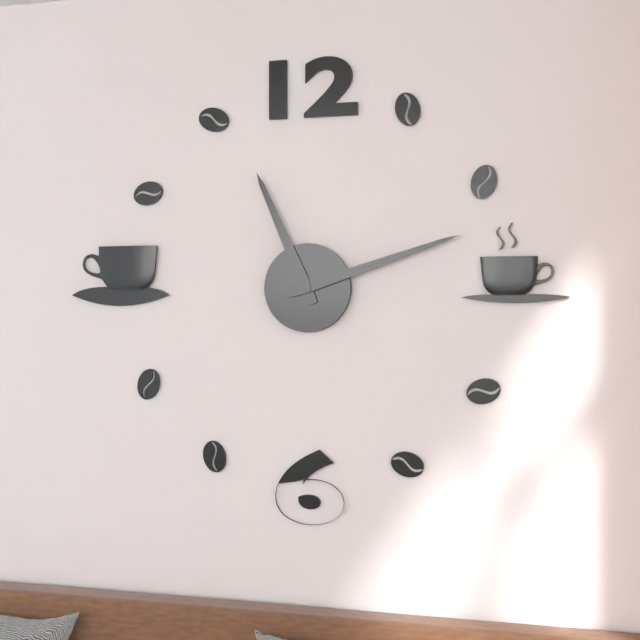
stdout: h=11 m=12
